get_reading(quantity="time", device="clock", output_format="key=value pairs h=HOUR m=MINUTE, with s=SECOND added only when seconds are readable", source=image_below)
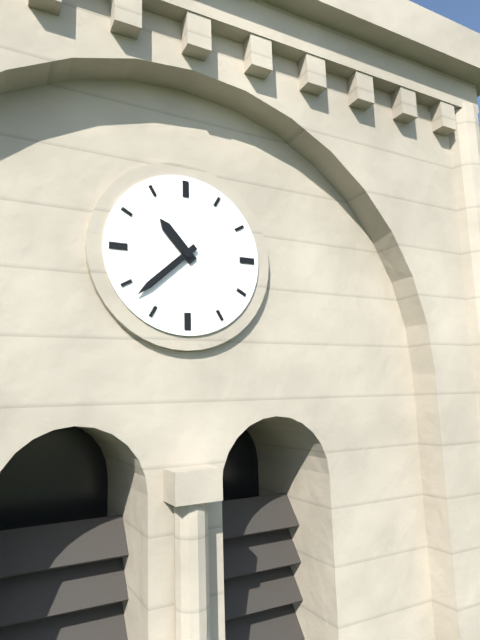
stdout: h=10 m=38
